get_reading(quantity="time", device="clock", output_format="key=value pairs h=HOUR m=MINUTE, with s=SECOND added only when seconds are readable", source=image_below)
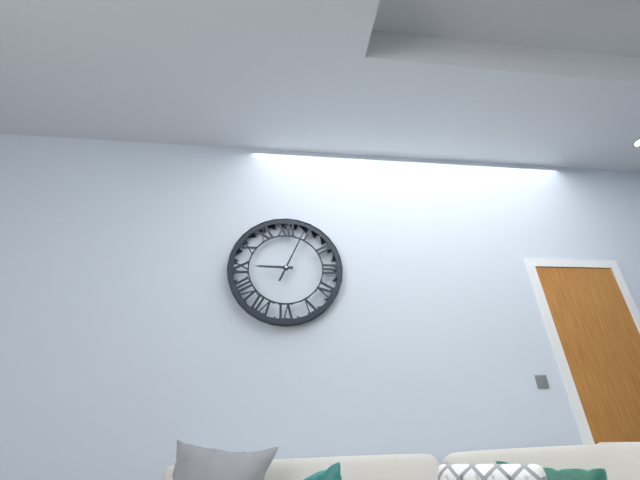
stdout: h=9 m=4
